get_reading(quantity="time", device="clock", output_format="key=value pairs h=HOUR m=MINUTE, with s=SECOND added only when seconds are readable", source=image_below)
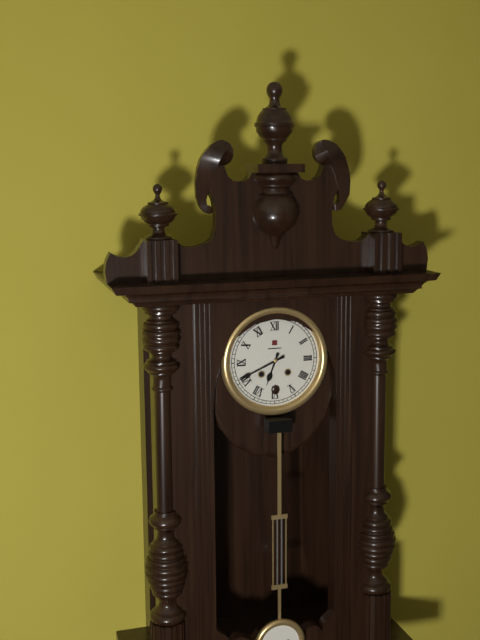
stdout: h=6 m=41
